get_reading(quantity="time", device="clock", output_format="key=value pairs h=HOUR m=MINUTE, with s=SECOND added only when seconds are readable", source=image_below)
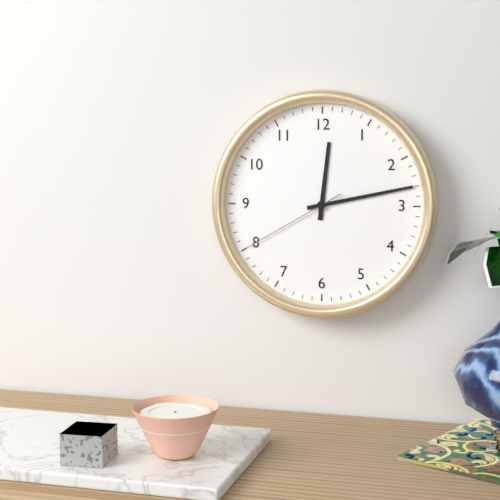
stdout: h=12 m=13 s=40
